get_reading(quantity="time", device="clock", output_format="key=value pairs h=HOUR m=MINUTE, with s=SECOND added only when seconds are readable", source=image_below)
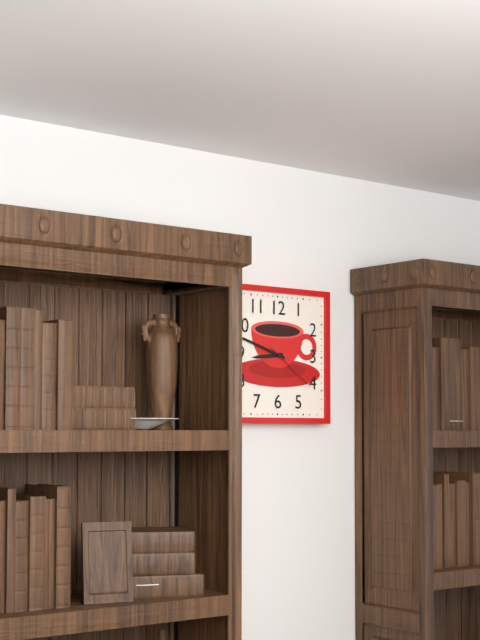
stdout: h=8 m=48 s=21
